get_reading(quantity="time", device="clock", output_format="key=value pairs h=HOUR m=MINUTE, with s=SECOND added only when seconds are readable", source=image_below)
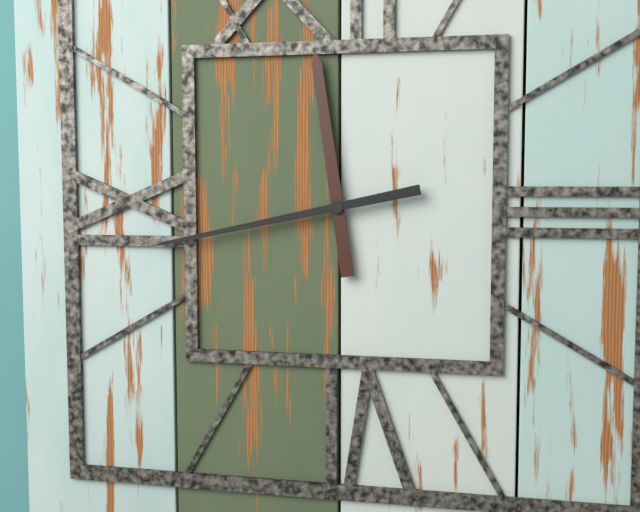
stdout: h=11 m=43
